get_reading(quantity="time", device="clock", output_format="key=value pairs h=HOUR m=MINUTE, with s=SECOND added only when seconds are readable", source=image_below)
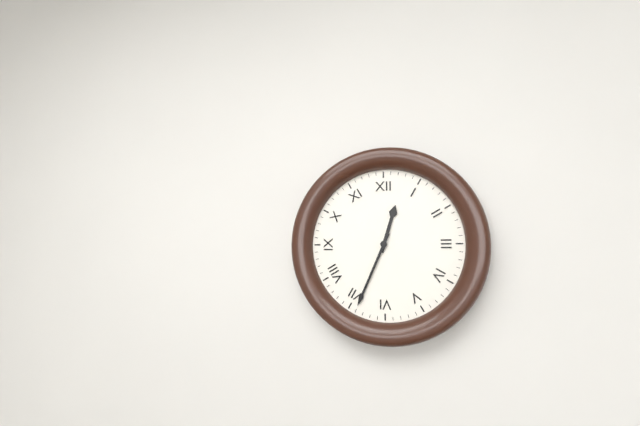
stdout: h=12 m=34
